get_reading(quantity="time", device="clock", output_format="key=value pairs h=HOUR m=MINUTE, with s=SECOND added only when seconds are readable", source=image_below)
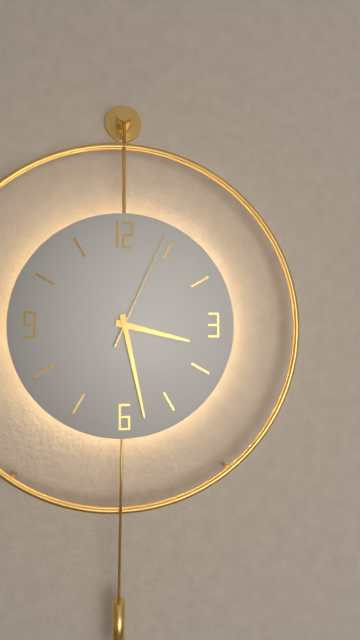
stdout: h=3 m=28 s=4
